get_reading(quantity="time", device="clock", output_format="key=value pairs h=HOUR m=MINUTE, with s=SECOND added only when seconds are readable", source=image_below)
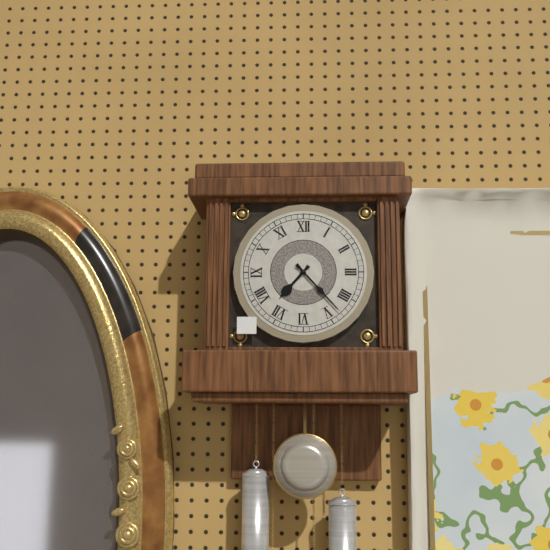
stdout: h=7 m=23
